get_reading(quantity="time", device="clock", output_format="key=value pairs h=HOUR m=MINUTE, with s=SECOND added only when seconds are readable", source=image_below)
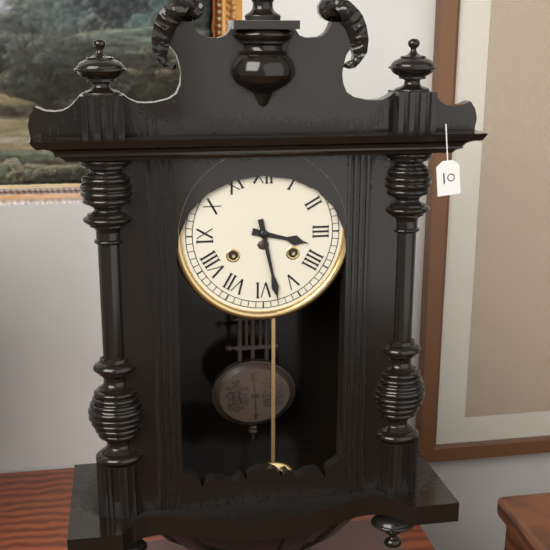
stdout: h=3 m=28
